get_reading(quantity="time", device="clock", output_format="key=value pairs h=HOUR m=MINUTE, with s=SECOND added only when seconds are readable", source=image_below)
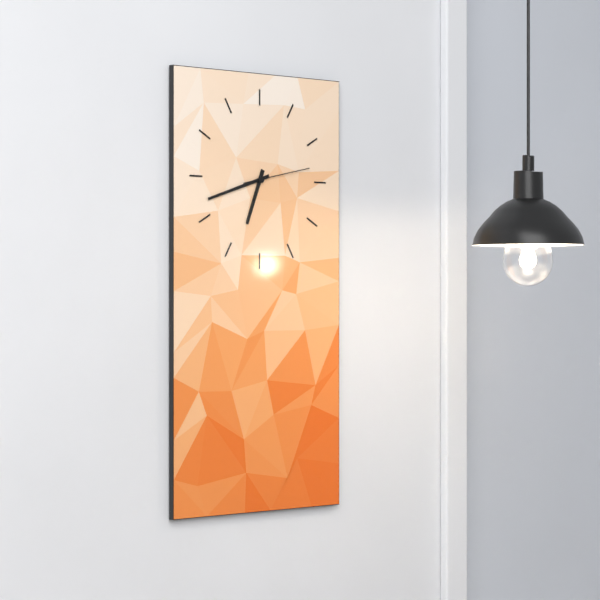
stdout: h=6 m=42 s=13
